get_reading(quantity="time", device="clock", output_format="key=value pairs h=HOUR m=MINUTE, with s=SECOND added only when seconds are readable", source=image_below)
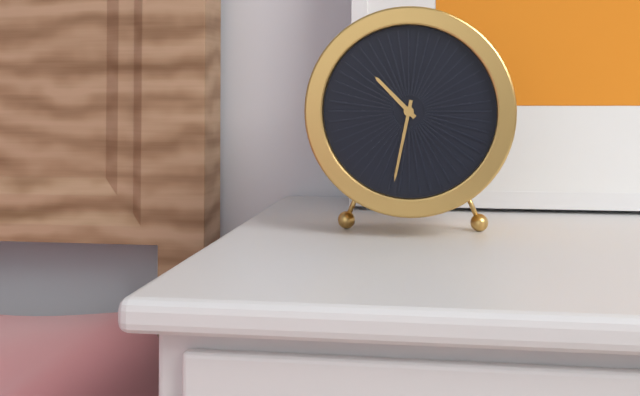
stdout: h=10 m=32
